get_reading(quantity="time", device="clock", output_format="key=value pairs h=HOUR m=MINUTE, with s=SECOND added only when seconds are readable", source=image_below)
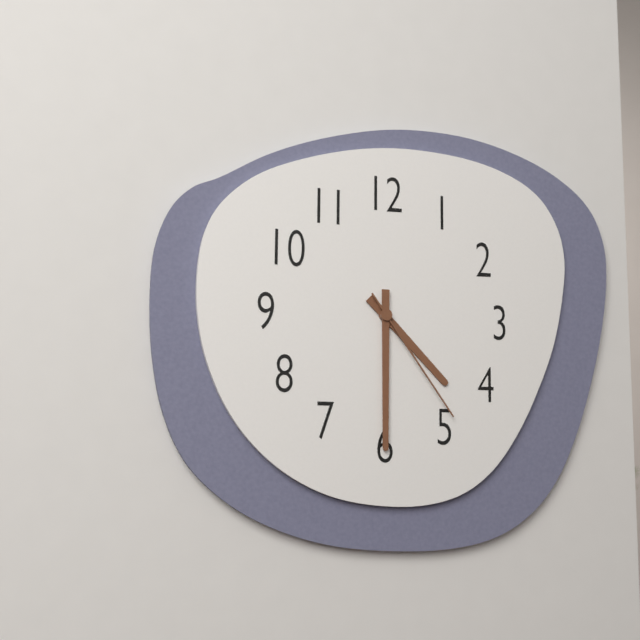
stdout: h=4 m=30 s=24
